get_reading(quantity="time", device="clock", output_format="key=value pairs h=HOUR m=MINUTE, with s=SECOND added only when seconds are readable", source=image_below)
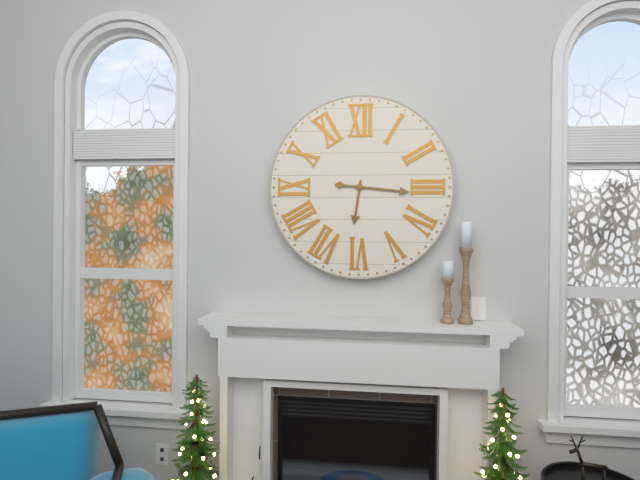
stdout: h=6 m=16
